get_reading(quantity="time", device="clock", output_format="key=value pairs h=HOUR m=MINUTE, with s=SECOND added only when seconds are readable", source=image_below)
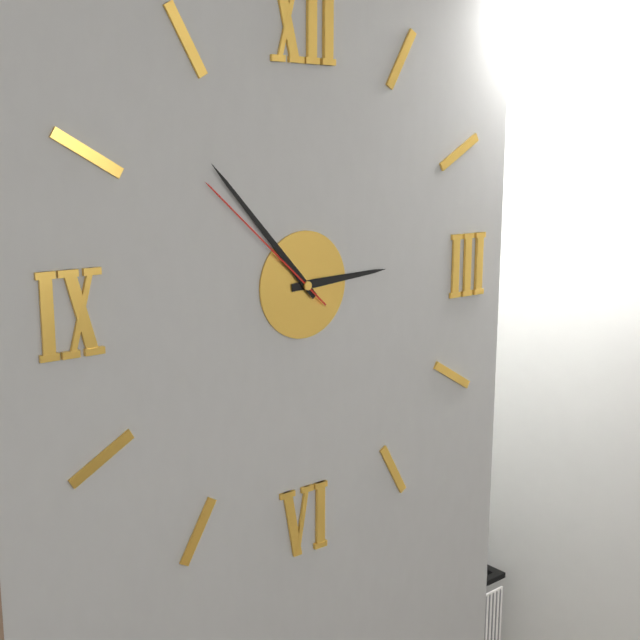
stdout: h=2 m=53 s=52
